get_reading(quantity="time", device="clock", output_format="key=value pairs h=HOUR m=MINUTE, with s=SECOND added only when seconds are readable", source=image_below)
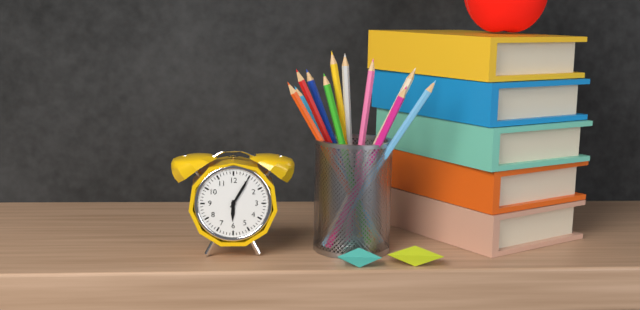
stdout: h=6 m=5
